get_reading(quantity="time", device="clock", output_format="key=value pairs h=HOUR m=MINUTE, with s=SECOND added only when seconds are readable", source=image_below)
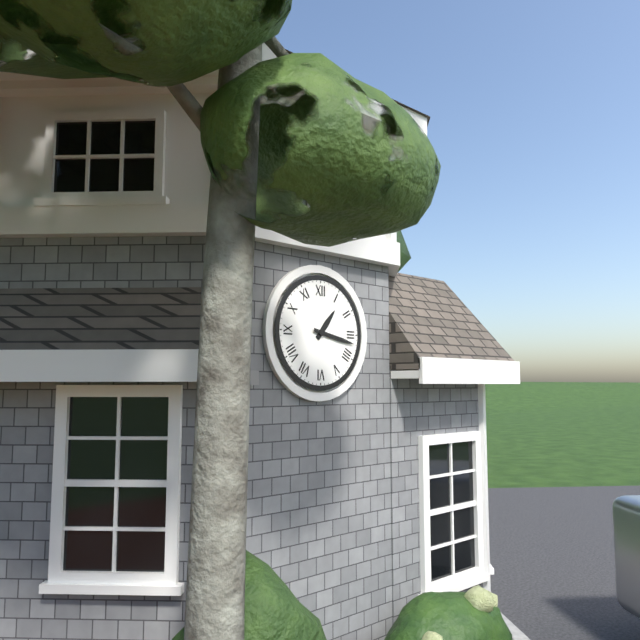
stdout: h=1 m=17
